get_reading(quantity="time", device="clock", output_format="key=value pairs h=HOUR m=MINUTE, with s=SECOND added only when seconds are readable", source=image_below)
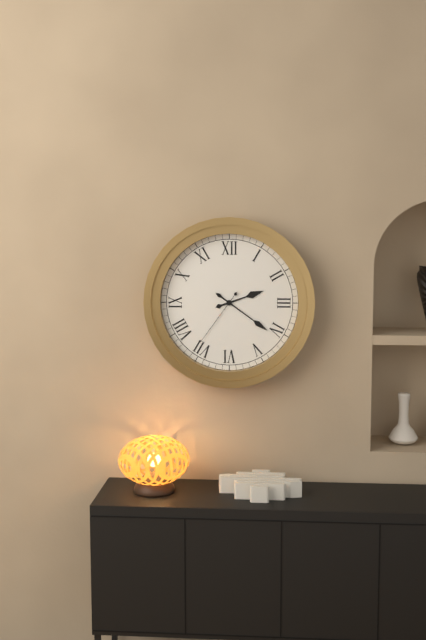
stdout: h=2 m=21 s=36
